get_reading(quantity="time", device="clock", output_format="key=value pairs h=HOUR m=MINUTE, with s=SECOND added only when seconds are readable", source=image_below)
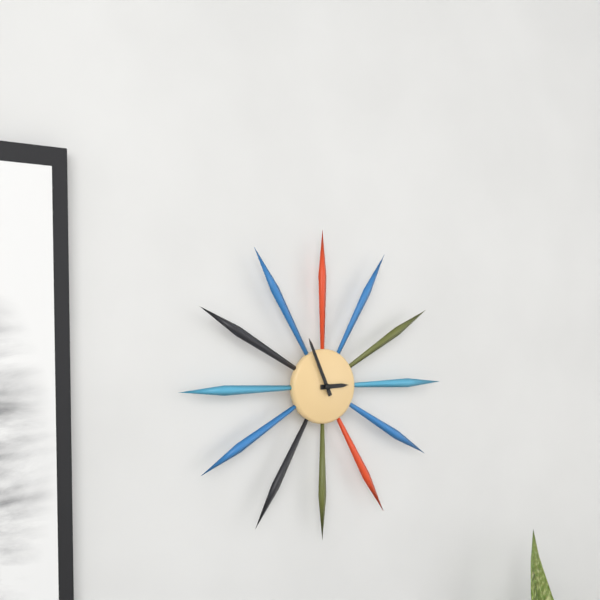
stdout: h=2 m=56
